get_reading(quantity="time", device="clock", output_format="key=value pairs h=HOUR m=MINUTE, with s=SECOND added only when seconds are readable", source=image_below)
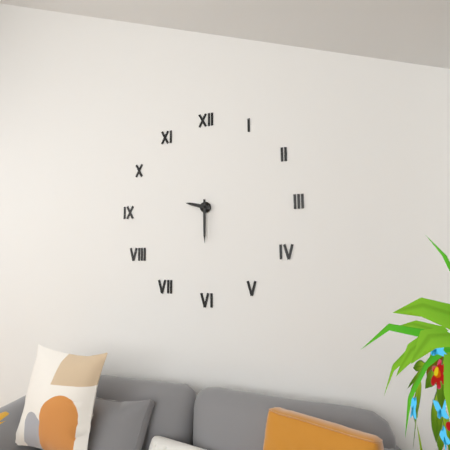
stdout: h=9 m=30
